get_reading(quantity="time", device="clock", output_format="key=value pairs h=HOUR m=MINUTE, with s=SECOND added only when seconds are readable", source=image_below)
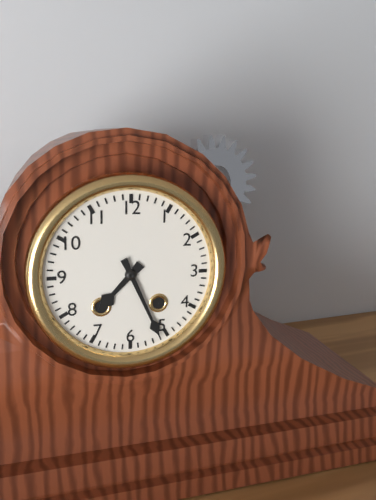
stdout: h=7 m=26
